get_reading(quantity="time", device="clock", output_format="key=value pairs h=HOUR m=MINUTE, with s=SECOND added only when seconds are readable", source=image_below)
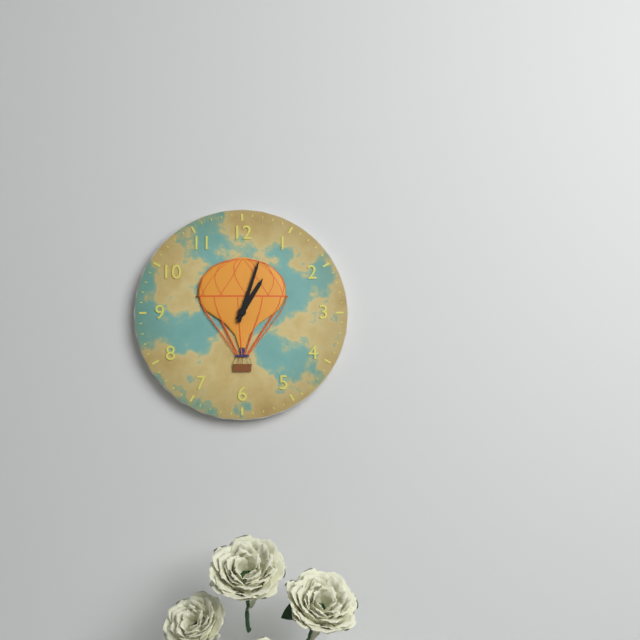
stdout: h=1 m=3
